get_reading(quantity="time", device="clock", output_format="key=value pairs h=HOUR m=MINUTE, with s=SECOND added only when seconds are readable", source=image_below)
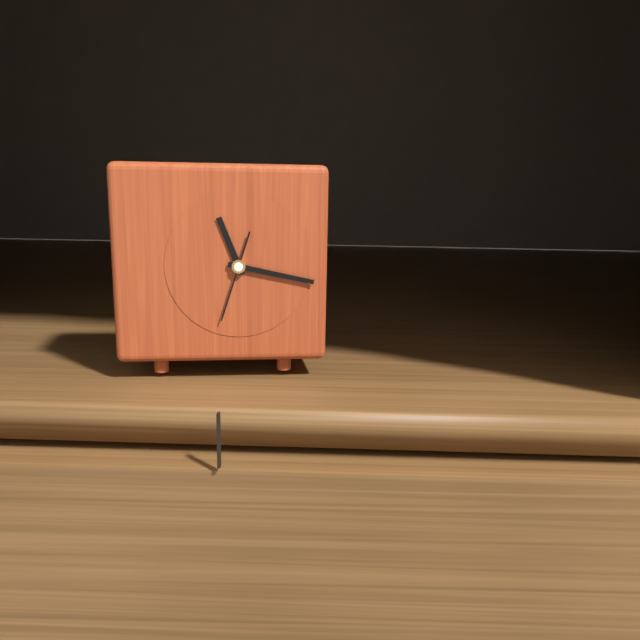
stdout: h=11 m=17 s=33
